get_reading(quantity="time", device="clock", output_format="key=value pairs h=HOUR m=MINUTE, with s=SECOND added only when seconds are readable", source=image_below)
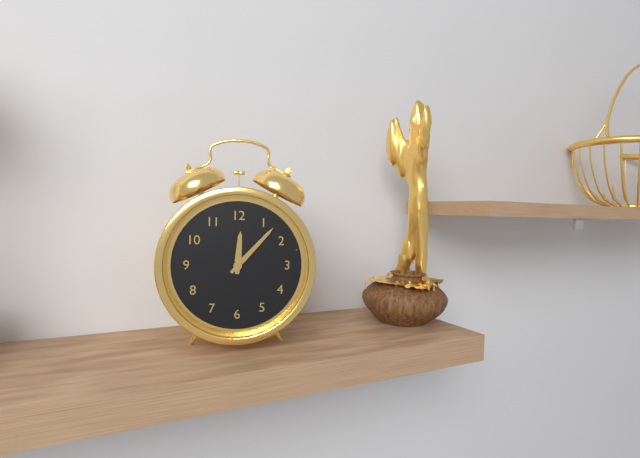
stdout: h=12 m=7
